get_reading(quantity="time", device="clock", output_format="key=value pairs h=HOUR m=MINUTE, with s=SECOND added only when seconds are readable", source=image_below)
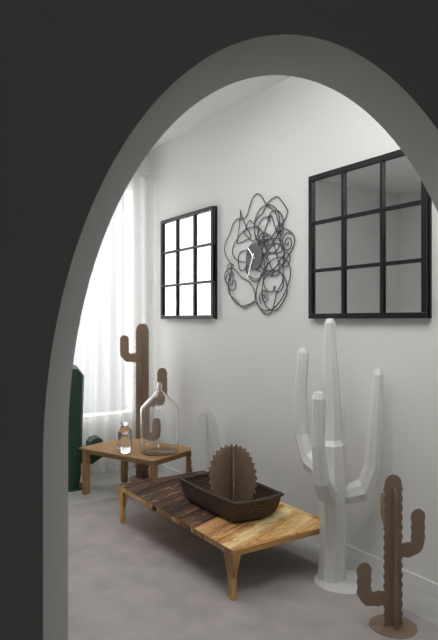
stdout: h=10 m=34
